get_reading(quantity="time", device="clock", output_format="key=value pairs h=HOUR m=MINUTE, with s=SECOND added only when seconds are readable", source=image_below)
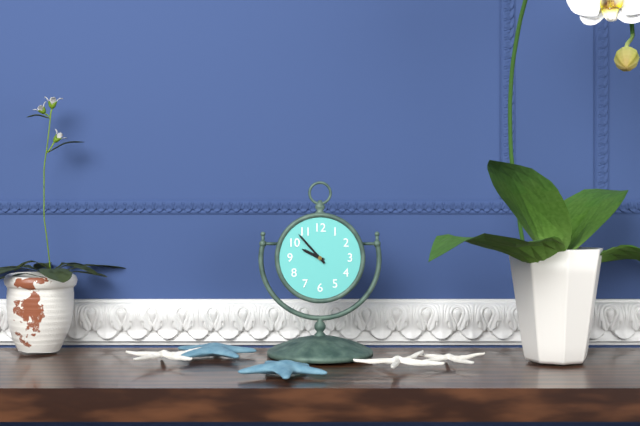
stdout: h=9 m=53
